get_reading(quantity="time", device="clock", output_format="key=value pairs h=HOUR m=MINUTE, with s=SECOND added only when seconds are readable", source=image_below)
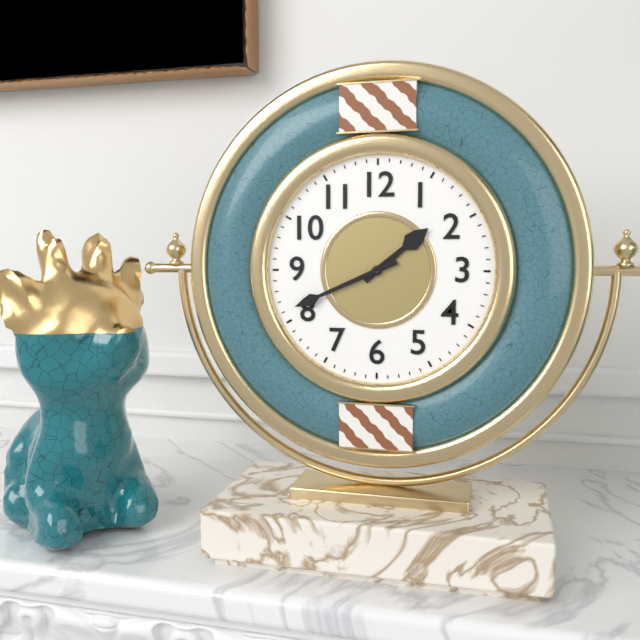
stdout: h=1 m=41
